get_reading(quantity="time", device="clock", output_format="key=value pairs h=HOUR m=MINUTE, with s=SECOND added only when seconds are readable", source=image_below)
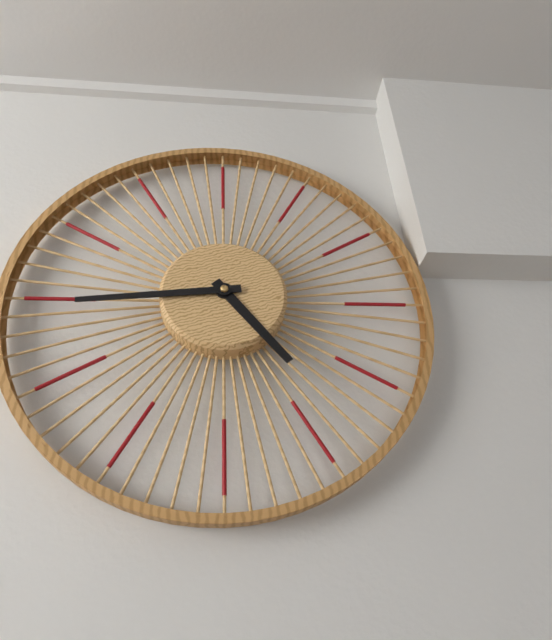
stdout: h=4 m=44
